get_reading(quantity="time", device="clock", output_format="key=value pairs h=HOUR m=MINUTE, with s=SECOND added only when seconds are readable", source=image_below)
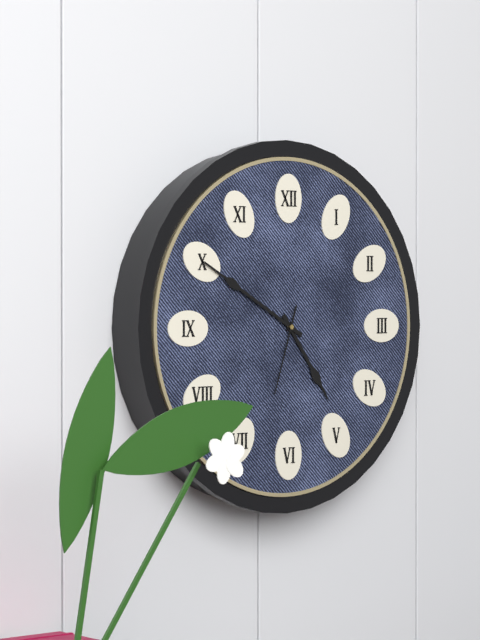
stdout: h=4 m=50 s=33
